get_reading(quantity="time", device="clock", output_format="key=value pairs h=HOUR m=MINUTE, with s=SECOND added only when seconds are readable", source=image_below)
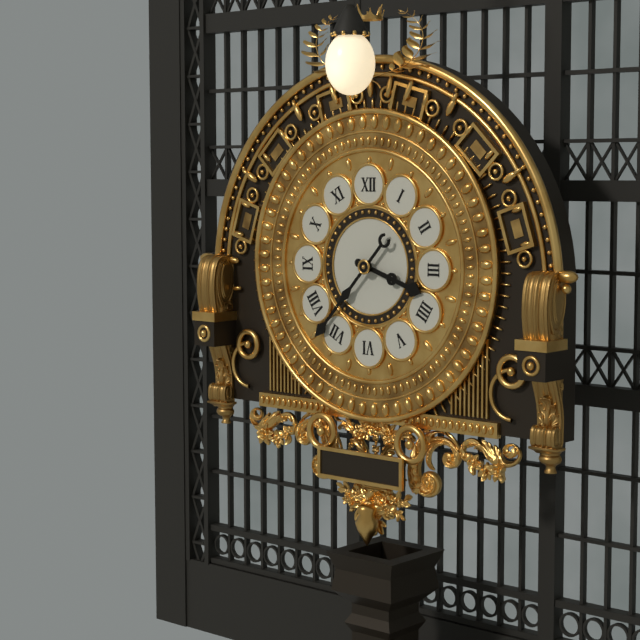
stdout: h=3 m=37
